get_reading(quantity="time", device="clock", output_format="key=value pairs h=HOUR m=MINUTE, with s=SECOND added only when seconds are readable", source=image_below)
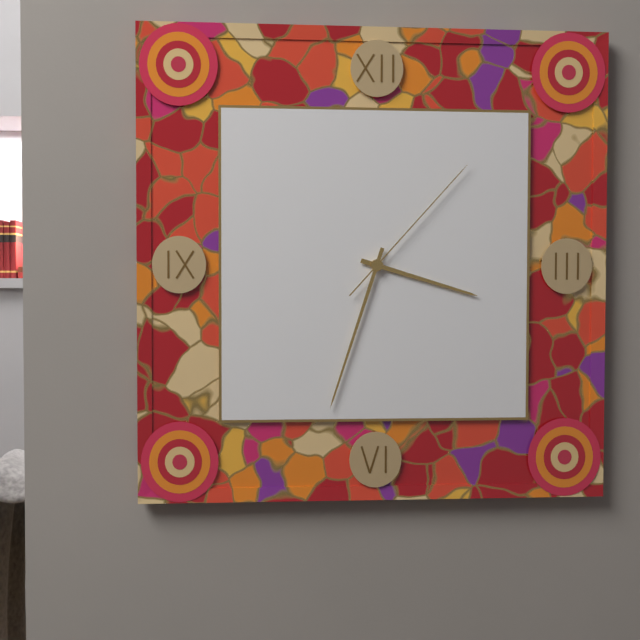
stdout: h=3 m=33 s=7
